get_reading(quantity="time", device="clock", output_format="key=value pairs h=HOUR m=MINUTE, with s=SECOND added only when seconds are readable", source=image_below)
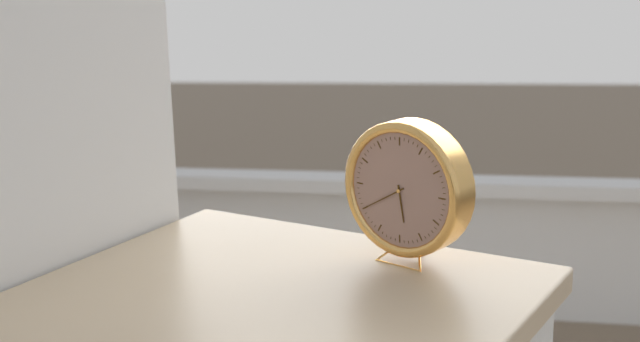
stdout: h=5 m=40
